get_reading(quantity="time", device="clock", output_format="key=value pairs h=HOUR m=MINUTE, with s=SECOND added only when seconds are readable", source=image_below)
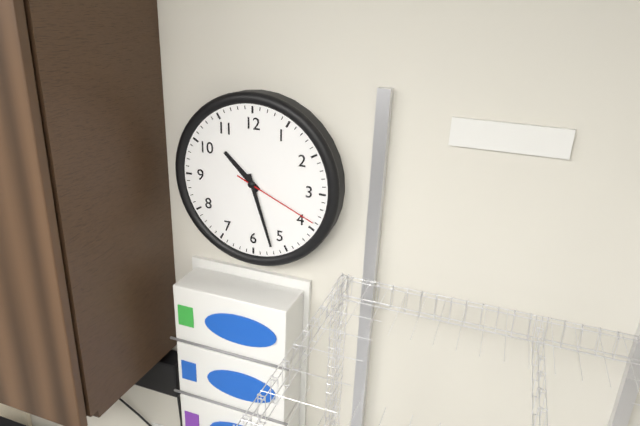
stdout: h=10 m=27 s=19
